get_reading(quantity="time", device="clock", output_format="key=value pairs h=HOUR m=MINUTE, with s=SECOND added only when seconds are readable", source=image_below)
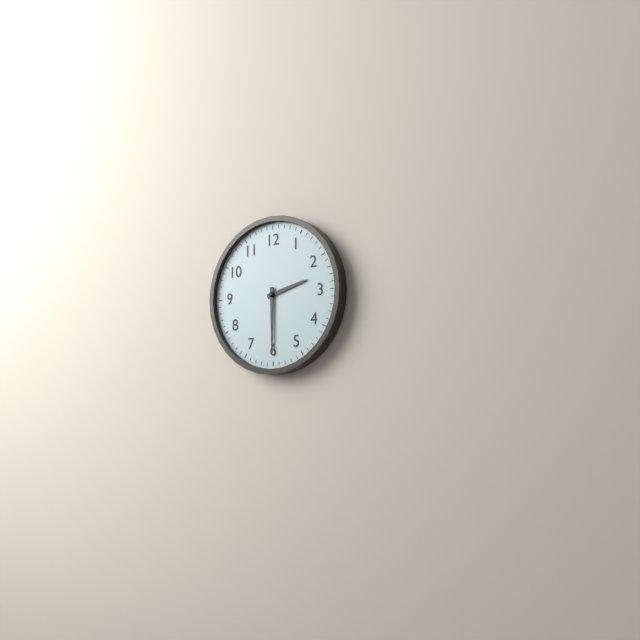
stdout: h=2 m=30
